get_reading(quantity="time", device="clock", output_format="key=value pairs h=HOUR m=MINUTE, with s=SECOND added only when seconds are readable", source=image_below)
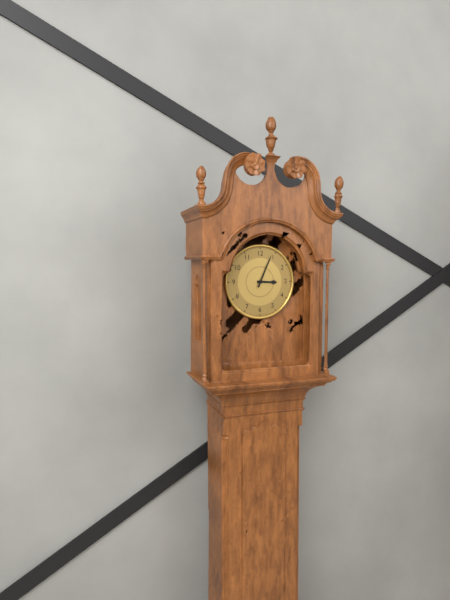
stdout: h=3 m=4
